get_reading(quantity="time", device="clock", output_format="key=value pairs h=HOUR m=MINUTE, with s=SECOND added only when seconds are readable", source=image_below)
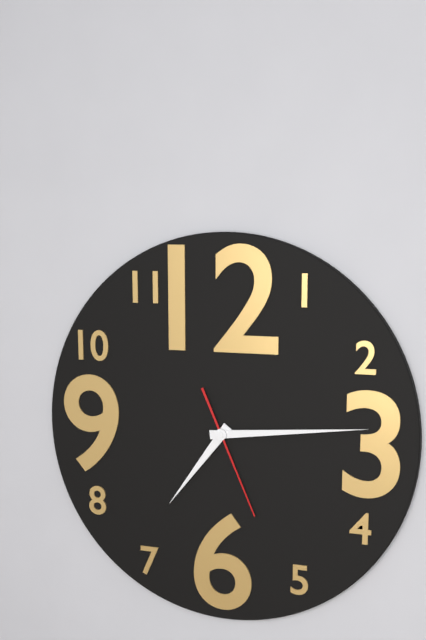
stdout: h=7 m=14 s=26
